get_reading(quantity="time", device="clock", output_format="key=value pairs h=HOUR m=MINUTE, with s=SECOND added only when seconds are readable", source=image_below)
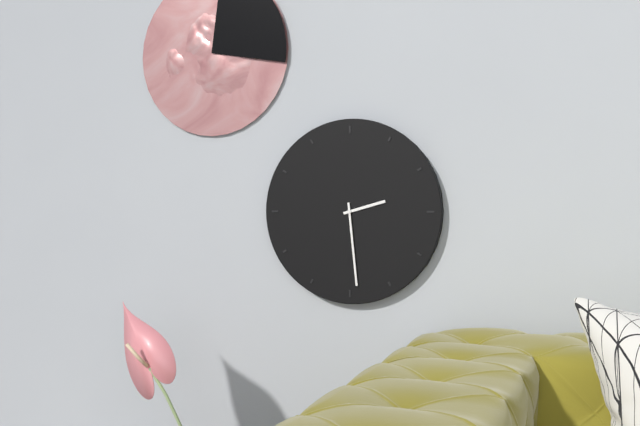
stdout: h=2 m=29
